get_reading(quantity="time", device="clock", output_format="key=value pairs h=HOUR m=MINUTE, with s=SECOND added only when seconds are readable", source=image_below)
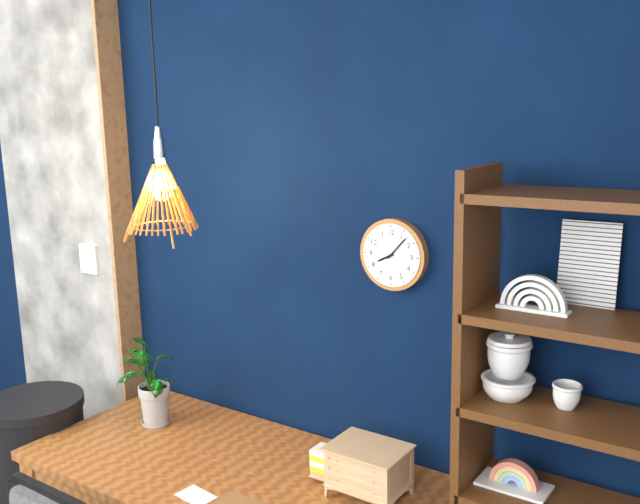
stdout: h=8 m=7
